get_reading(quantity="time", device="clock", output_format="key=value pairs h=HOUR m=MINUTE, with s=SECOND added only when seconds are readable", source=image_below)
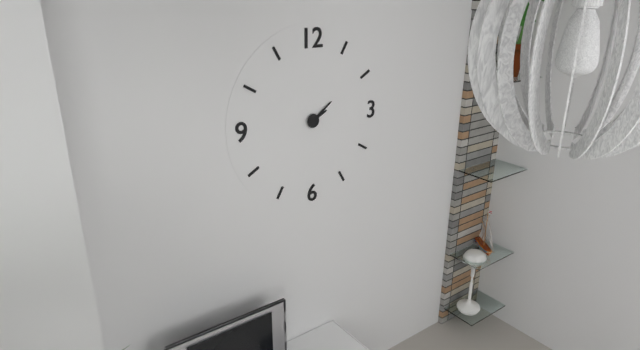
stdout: h=2 m=9
